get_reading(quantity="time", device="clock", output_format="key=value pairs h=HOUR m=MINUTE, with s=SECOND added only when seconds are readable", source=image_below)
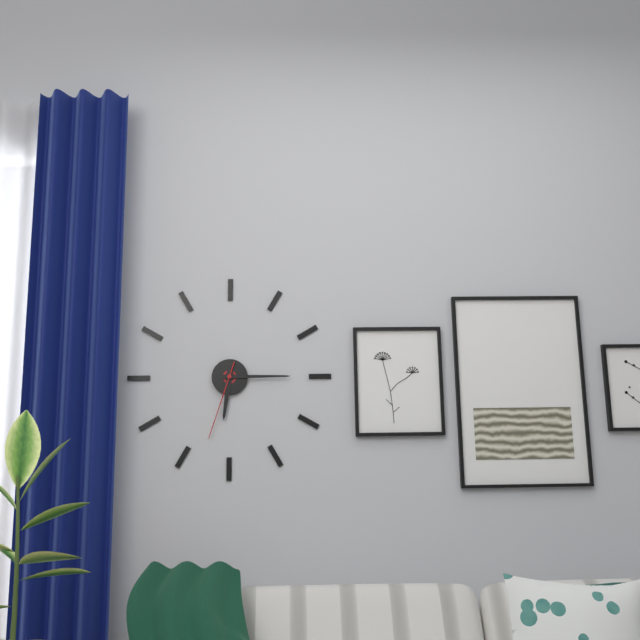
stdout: h=6 m=15 s=33
